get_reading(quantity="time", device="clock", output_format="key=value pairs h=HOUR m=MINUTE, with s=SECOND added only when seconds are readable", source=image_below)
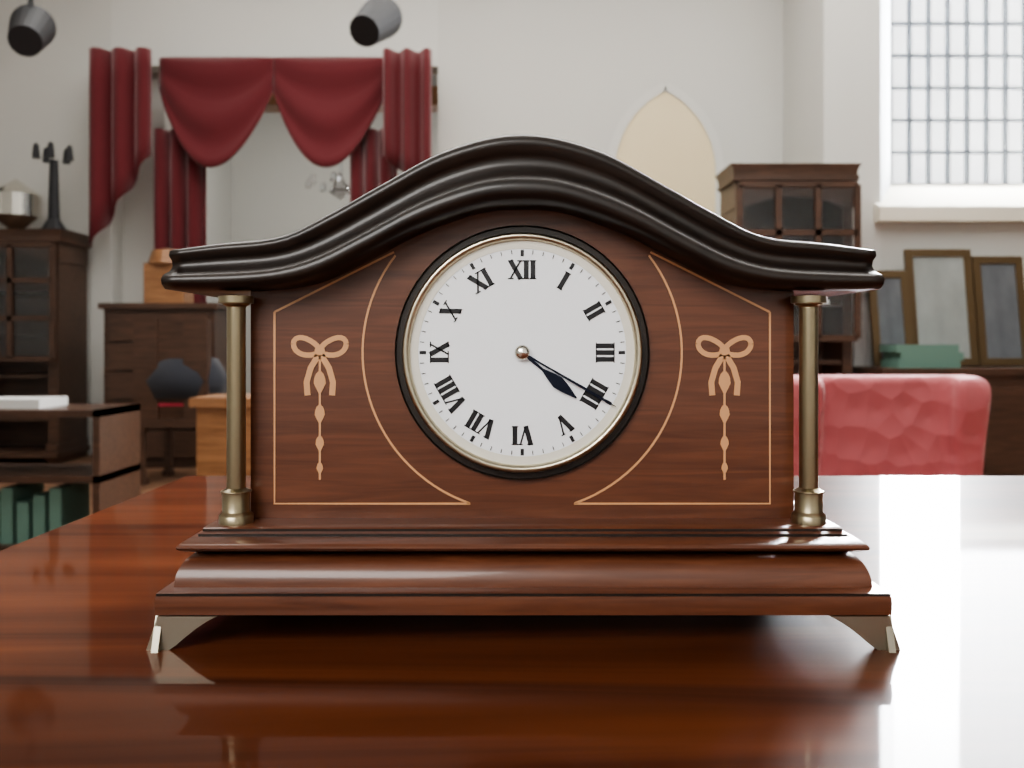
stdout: h=4 m=20
